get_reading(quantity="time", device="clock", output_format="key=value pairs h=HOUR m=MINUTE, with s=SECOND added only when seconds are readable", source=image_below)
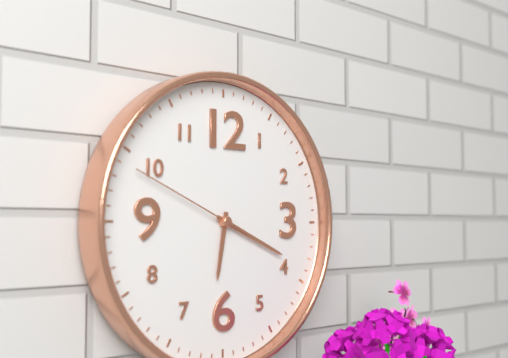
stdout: h=6 m=19 s=49
